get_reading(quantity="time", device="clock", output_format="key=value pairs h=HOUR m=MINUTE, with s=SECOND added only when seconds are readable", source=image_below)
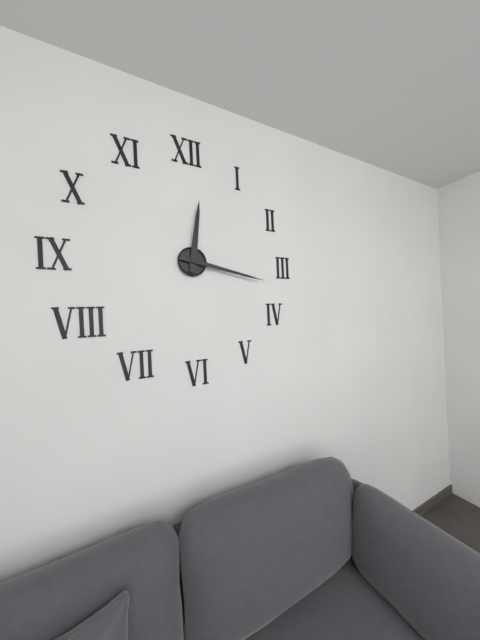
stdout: h=12 m=17
